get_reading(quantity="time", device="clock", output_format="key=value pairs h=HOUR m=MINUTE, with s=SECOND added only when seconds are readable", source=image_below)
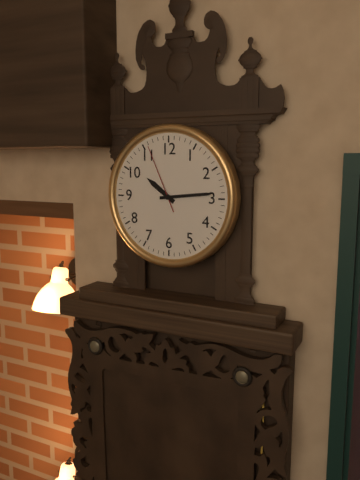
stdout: h=10 m=14 s=56
